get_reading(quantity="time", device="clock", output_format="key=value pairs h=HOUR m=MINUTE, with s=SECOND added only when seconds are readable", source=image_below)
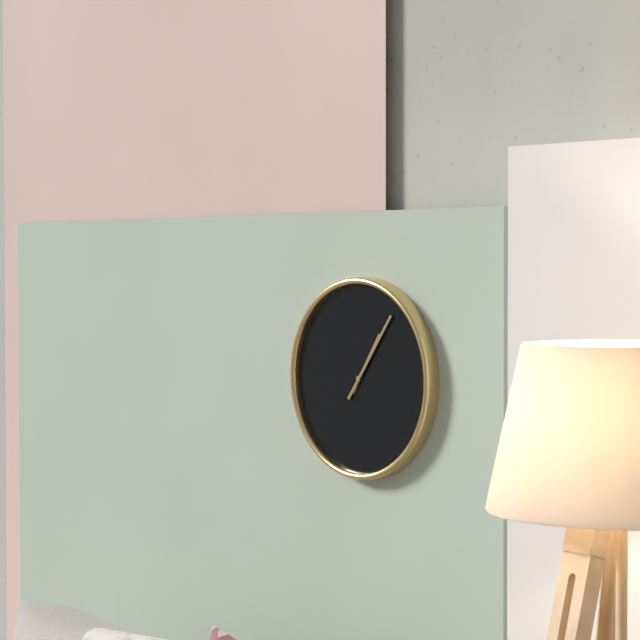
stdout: h=1 m=6
